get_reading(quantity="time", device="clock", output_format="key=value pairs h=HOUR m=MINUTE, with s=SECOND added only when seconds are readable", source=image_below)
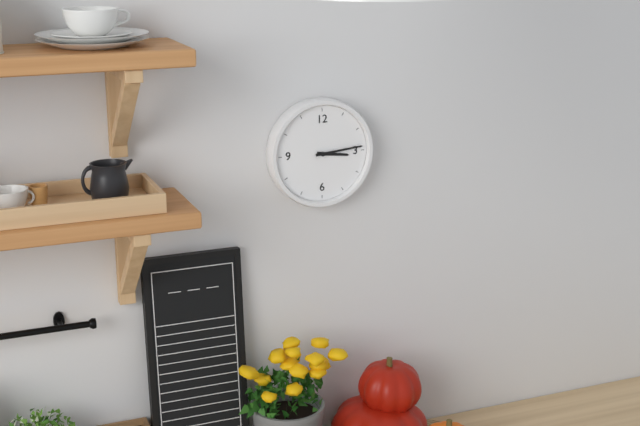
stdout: h=3 m=14
